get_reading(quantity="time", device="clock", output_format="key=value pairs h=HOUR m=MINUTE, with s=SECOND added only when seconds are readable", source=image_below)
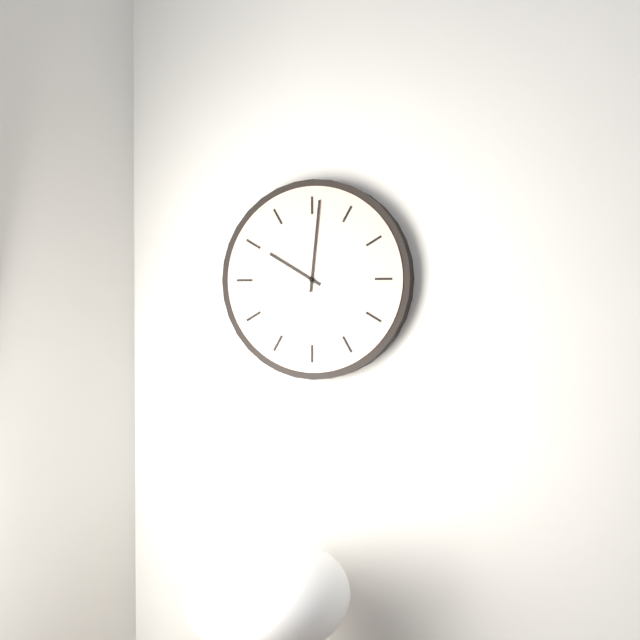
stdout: h=10 m=1
